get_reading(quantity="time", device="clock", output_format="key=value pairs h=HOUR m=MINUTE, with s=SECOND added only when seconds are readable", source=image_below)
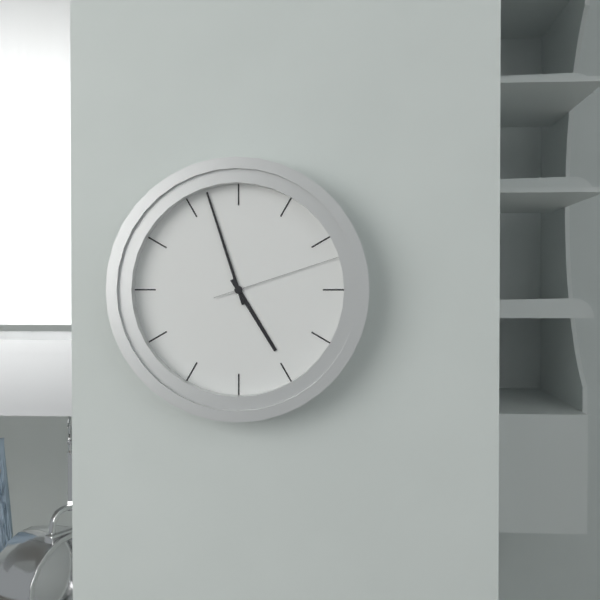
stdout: h=4 m=57 s=12
